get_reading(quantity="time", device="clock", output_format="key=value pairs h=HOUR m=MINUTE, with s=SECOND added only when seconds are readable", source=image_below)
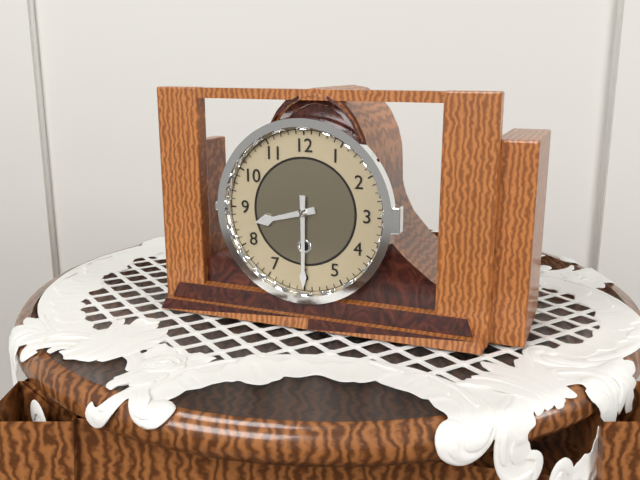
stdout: h=8 m=30
